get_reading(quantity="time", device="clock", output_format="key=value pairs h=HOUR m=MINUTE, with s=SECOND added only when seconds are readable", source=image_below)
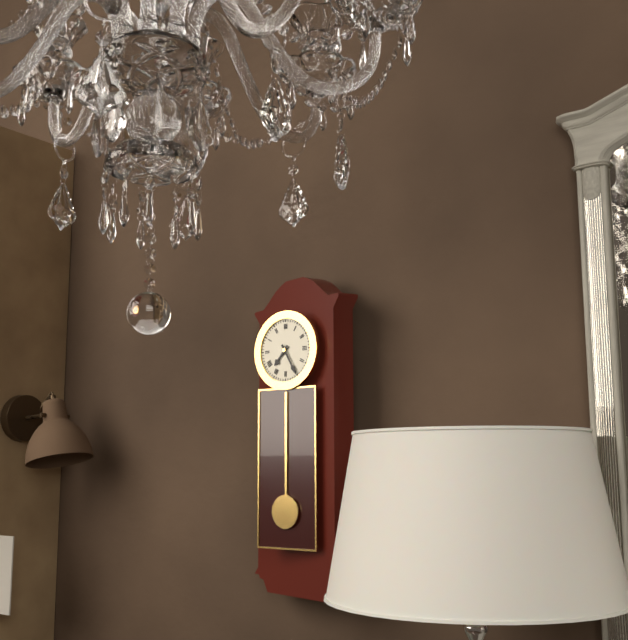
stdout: h=7 m=25
